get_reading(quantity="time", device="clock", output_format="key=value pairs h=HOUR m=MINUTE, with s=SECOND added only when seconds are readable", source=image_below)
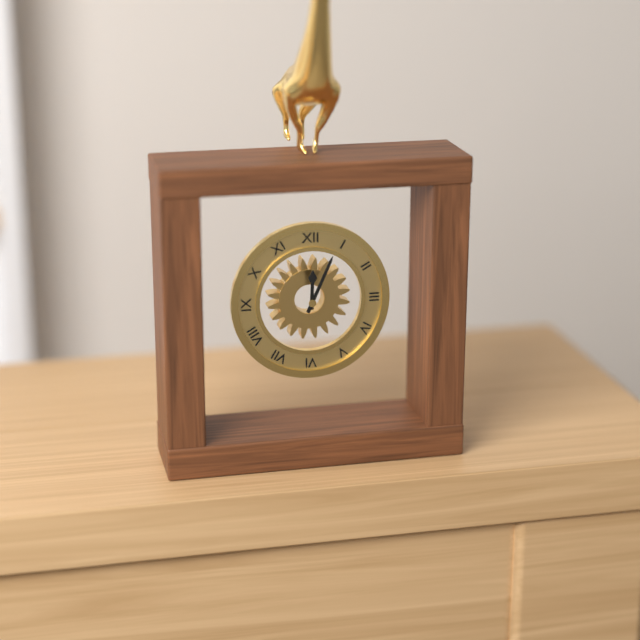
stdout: h=12 m=4
